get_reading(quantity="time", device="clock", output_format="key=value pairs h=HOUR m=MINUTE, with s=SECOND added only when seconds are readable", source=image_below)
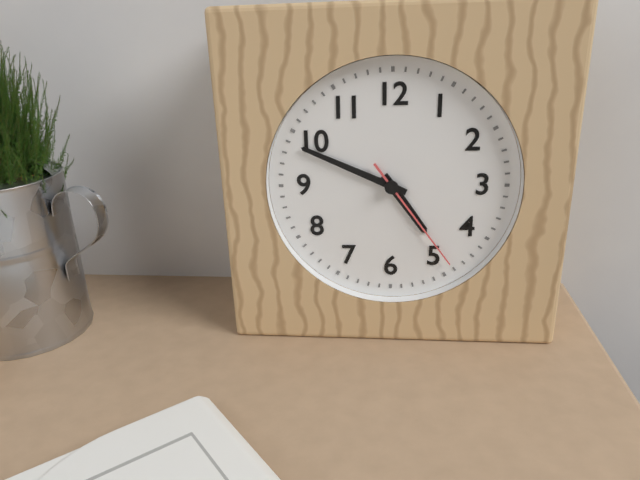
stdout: h=4 m=49 s=24
